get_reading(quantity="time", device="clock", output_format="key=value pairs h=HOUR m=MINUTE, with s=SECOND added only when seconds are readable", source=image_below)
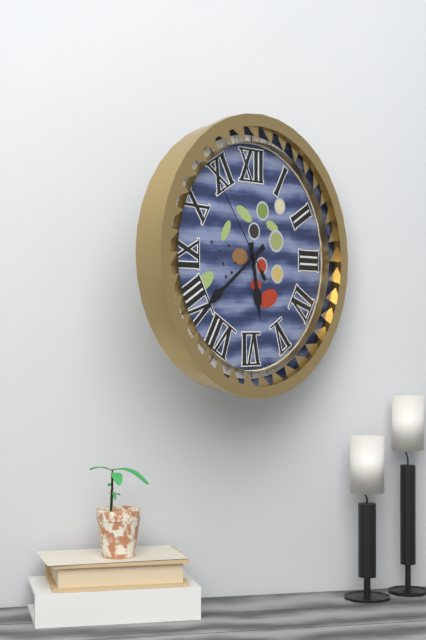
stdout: h=5 m=39 s=54
